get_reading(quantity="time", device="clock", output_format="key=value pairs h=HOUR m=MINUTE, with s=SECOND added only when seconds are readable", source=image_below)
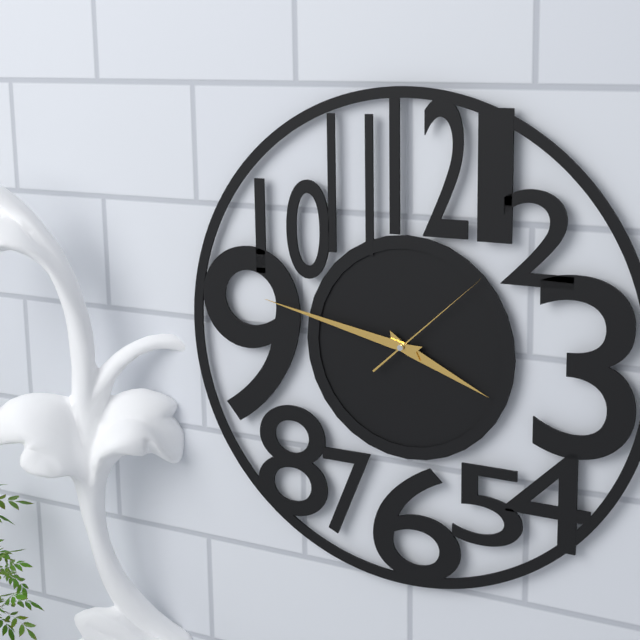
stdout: h=3 m=47 s=8
